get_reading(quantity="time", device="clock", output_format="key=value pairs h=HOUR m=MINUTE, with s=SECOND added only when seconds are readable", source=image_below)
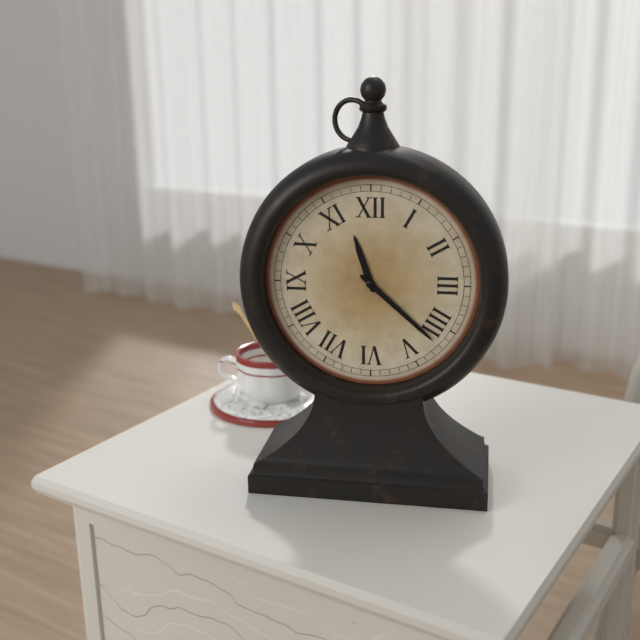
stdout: h=11 m=22
